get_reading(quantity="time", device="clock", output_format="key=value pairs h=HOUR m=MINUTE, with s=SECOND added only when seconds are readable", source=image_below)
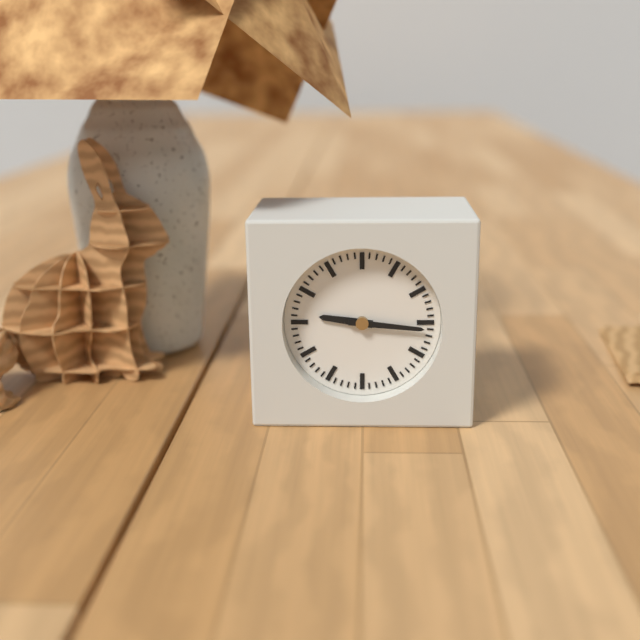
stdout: h=9 m=16
